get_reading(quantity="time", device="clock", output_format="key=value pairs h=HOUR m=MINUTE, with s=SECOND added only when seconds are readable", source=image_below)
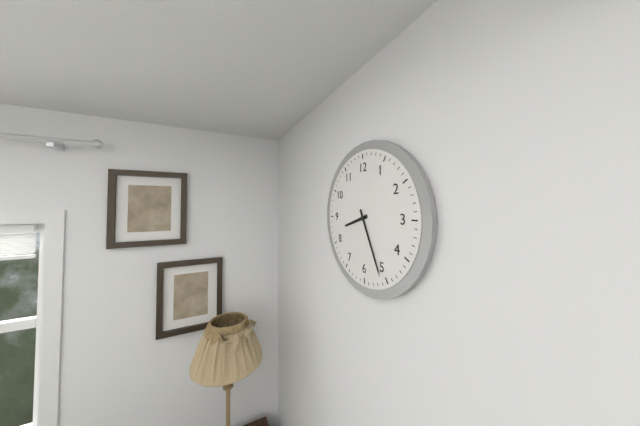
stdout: h=8 m=26
